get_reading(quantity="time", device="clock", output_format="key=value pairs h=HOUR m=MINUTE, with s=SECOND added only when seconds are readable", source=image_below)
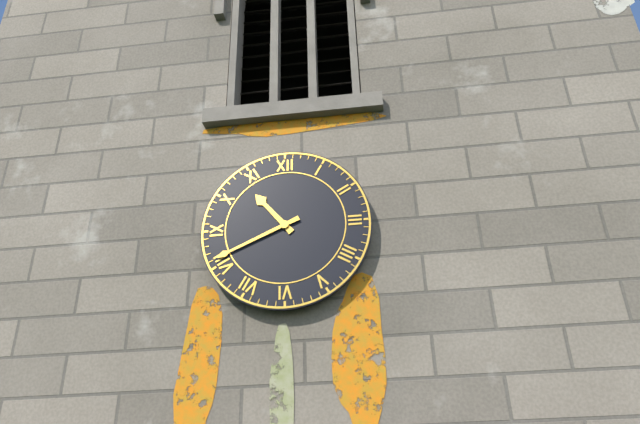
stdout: h=10 m=41
